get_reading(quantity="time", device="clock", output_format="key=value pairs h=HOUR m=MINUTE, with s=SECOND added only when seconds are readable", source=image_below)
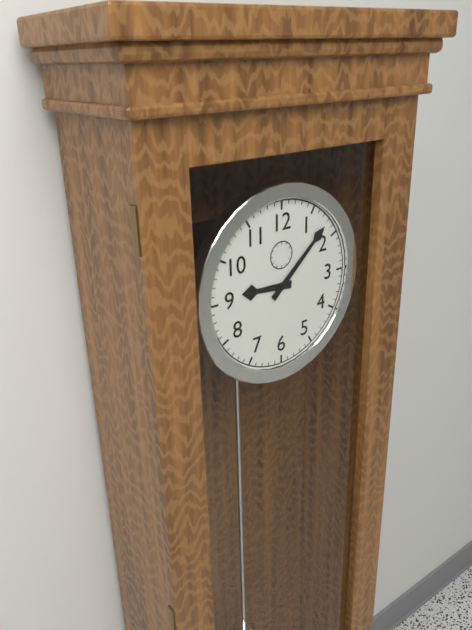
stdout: h=9 m=8
